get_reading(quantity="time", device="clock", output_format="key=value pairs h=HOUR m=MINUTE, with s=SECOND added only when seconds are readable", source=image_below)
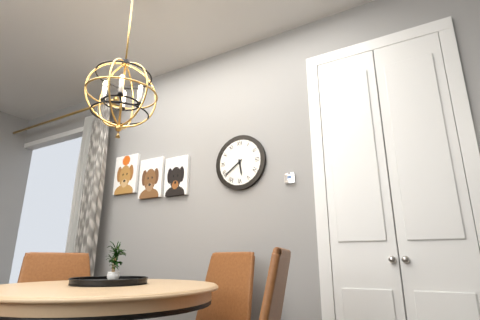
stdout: h=5 m=39
